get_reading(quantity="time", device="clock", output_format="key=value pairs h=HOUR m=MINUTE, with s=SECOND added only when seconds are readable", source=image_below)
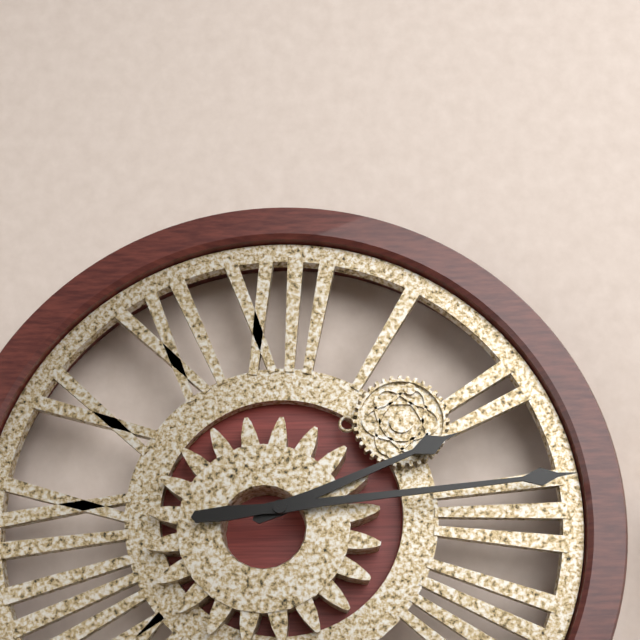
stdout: h=2 m=14
